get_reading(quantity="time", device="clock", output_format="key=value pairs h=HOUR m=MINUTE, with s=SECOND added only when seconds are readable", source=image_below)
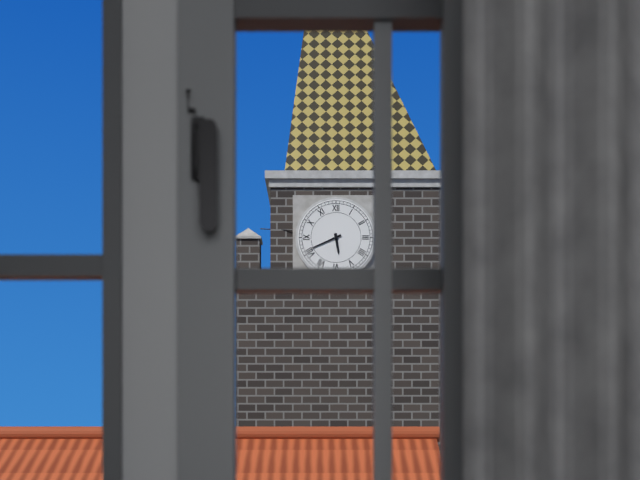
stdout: h=5 m=41
